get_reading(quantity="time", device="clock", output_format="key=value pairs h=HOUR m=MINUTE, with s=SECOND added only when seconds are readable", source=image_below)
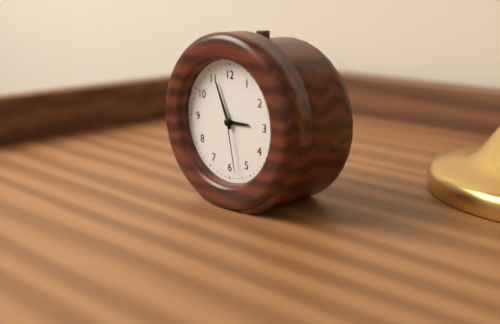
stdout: h=2 m=56 s=28
